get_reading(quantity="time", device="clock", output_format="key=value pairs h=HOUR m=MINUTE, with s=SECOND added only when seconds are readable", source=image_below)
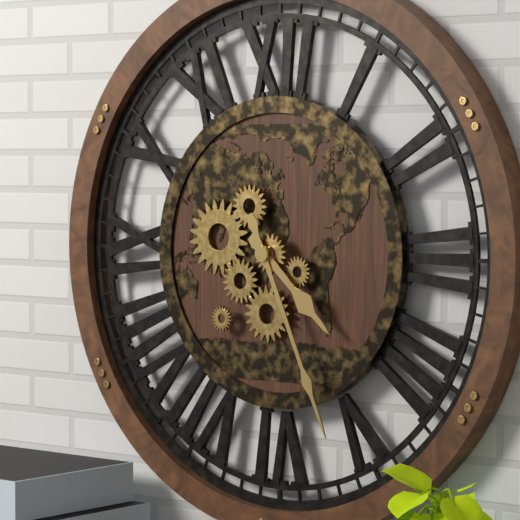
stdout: h=4 m=26
